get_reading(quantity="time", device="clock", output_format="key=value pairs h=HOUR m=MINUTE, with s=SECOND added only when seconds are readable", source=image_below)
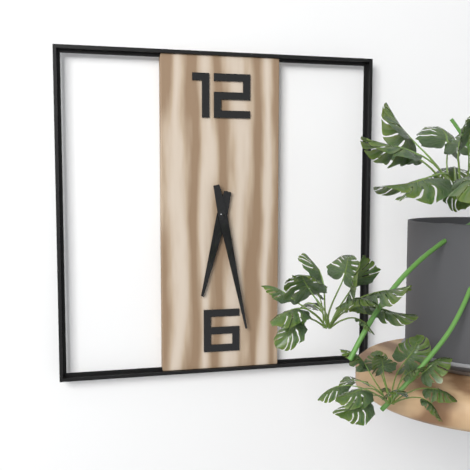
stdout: h=6 m=28
